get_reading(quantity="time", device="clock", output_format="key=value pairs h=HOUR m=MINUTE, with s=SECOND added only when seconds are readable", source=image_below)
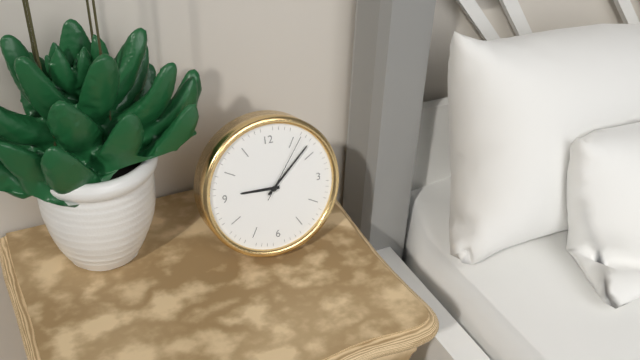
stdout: h=9 m=8 s=6
